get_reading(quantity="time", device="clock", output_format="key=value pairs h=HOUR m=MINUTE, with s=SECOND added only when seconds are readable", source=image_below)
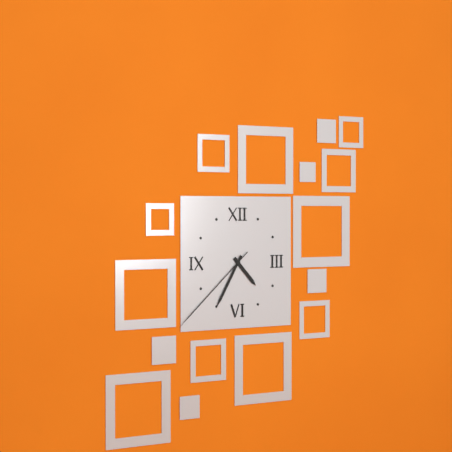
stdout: h=4 m=35 s=38
